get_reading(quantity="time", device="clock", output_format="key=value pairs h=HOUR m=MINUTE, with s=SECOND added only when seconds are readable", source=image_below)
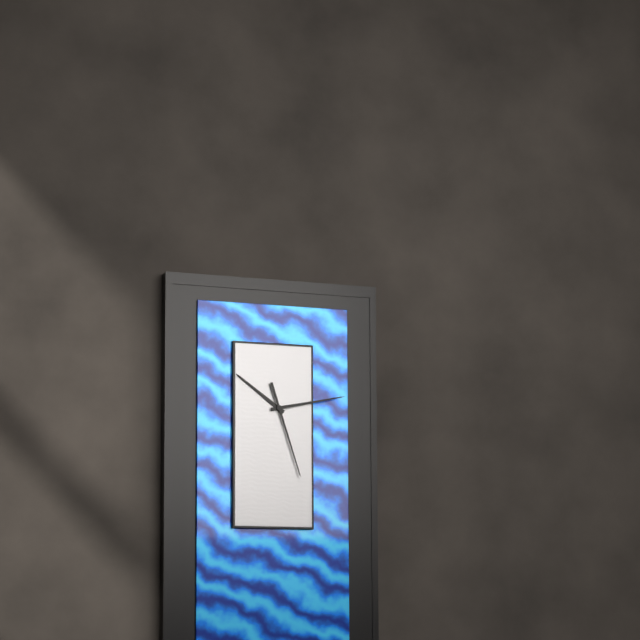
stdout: h=10 m=13 s=27
